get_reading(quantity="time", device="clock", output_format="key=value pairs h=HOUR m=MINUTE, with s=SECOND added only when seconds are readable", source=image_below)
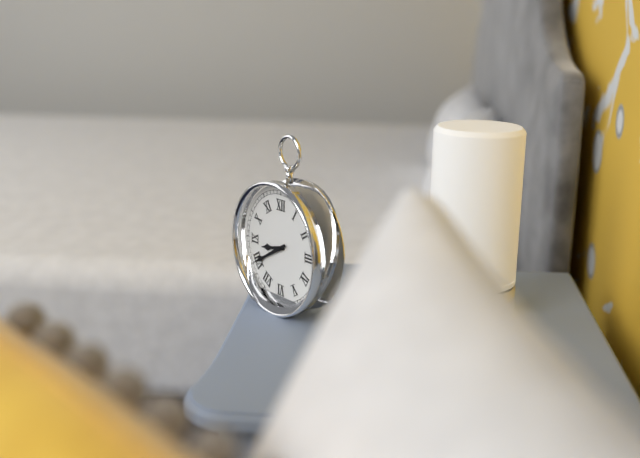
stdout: h=8 m=40
